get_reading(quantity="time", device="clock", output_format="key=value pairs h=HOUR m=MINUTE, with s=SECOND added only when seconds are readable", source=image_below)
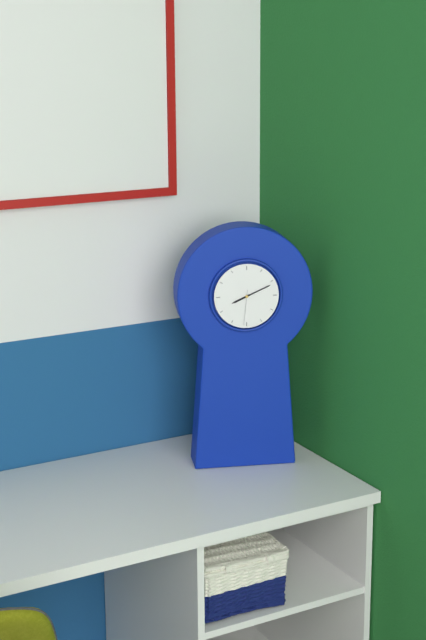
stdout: h=8 m=11
